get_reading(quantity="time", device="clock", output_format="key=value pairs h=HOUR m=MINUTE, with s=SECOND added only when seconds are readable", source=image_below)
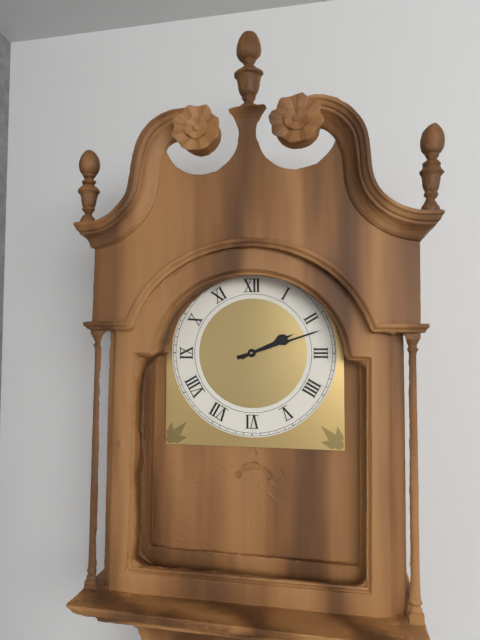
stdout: h=2 m=12
